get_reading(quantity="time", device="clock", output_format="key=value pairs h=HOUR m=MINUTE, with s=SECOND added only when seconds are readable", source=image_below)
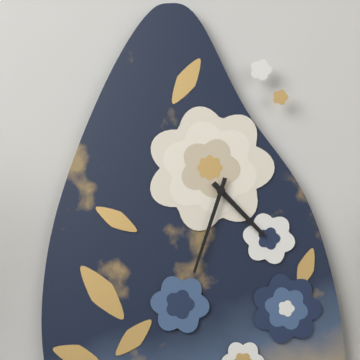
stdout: h=4 m=33
